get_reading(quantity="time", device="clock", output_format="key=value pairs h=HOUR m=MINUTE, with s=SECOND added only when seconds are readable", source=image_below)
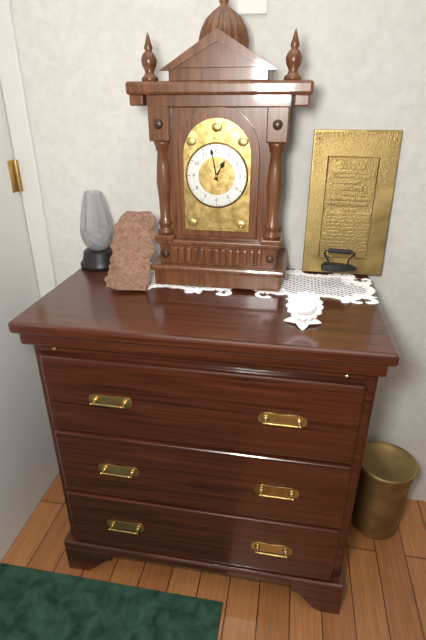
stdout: h=12 m=58
